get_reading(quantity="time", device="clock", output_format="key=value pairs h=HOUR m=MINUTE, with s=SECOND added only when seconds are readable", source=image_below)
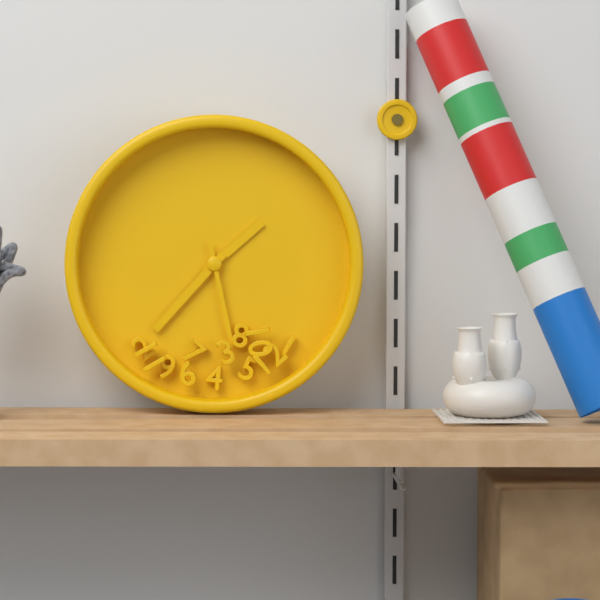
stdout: h=1 m=37 s=28
